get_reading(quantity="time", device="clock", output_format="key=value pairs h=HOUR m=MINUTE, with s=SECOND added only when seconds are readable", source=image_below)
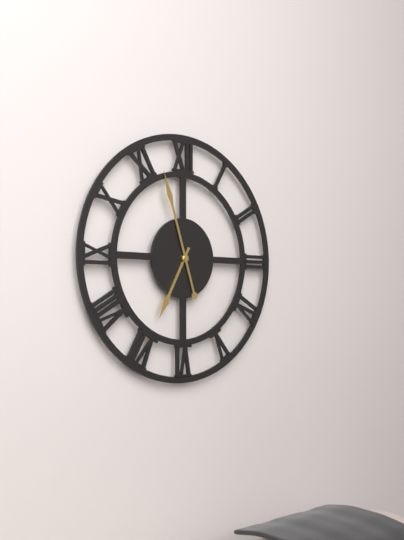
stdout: h=6 m=57
